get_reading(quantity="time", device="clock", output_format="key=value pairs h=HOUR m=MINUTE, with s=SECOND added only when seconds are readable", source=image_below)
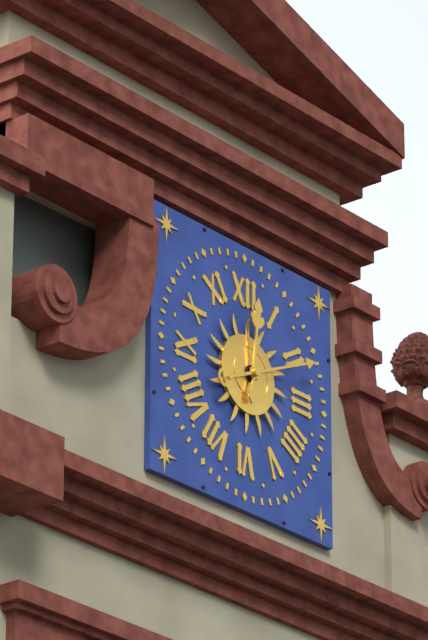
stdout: h=12 m=11
